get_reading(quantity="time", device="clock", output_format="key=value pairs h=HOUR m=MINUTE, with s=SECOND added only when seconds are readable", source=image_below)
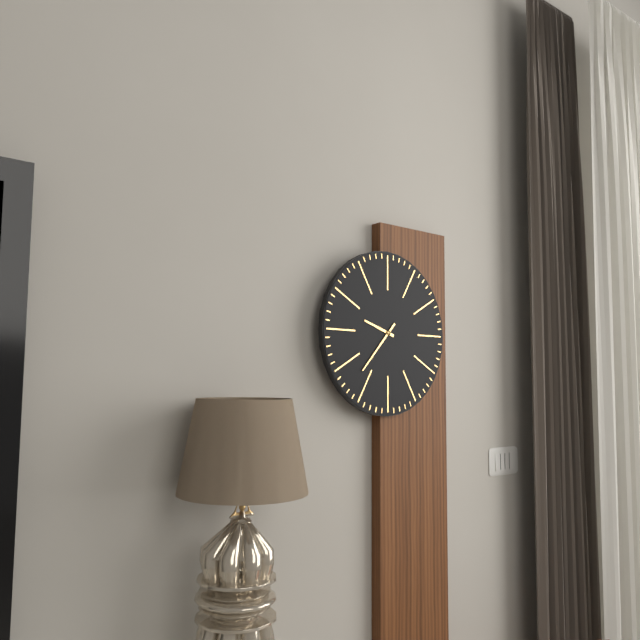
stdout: h=9 m=37
